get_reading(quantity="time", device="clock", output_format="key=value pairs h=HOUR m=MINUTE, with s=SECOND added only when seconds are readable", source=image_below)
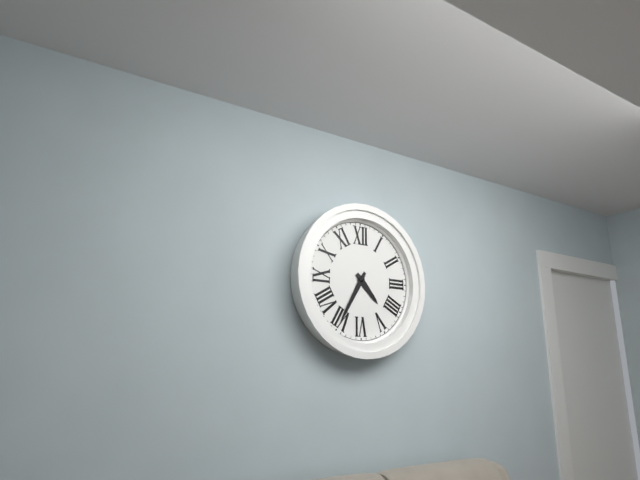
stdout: h=4 m=35
